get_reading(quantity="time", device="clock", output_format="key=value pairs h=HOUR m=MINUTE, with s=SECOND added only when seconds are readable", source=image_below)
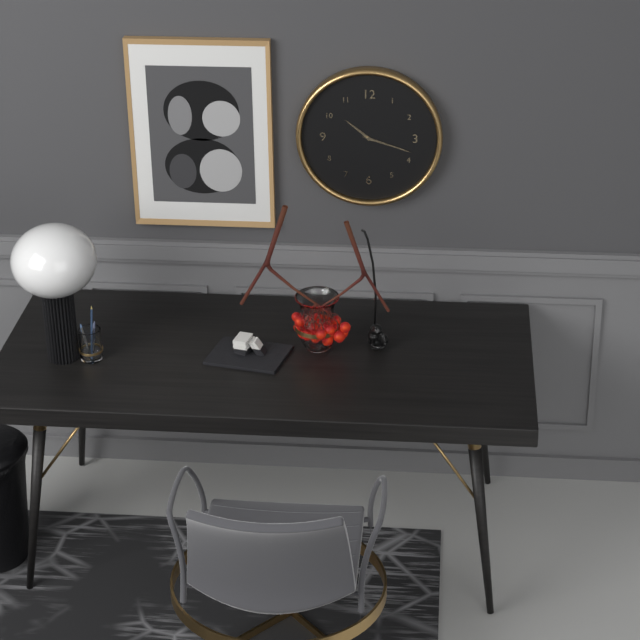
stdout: h=10 m=18
